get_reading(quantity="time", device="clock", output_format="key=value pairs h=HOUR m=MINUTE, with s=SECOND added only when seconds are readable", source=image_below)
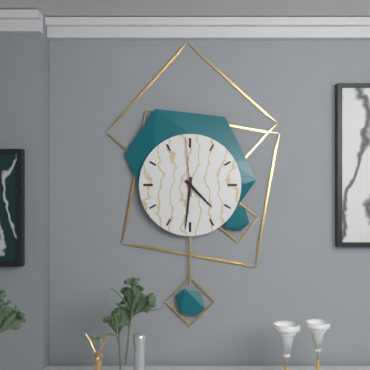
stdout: h=4 m=31 s=59
